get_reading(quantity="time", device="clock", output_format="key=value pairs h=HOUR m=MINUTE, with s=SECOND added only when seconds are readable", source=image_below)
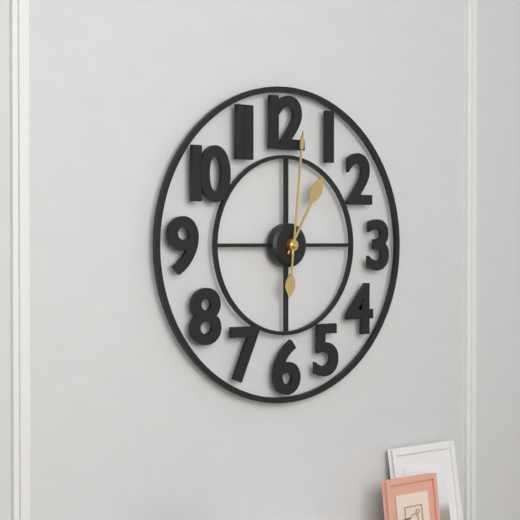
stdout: h=1 m=1
